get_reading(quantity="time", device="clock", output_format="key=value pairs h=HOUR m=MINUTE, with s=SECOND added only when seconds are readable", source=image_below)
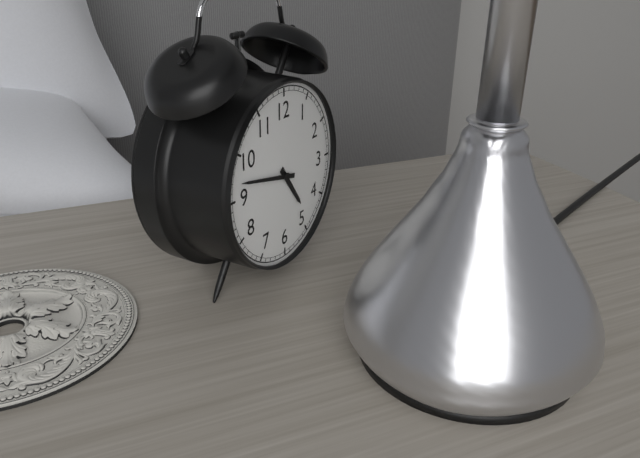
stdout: h=4 m=47
